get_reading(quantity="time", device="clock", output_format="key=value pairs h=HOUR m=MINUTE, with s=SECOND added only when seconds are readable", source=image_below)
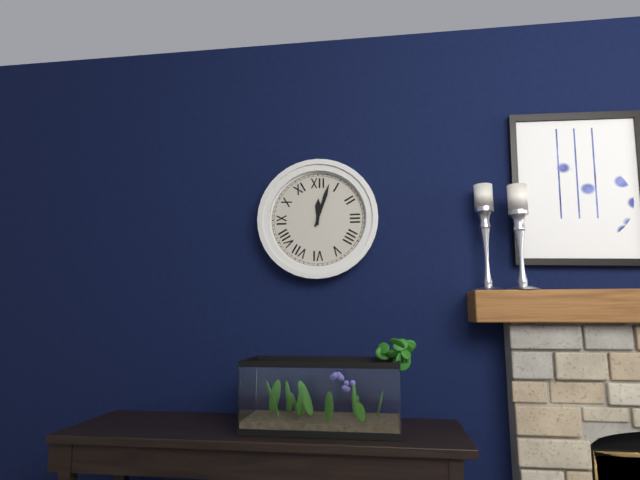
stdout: h=12 m=3
